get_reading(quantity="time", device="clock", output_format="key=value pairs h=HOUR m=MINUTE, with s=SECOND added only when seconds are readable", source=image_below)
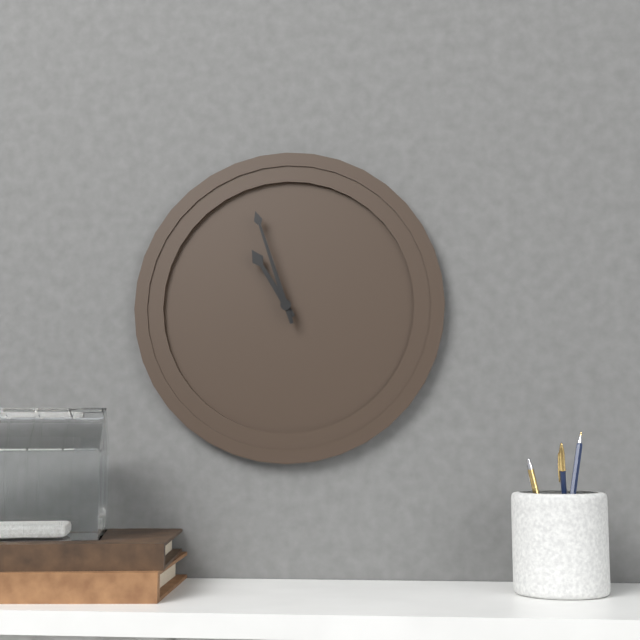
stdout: h=10 m=57
